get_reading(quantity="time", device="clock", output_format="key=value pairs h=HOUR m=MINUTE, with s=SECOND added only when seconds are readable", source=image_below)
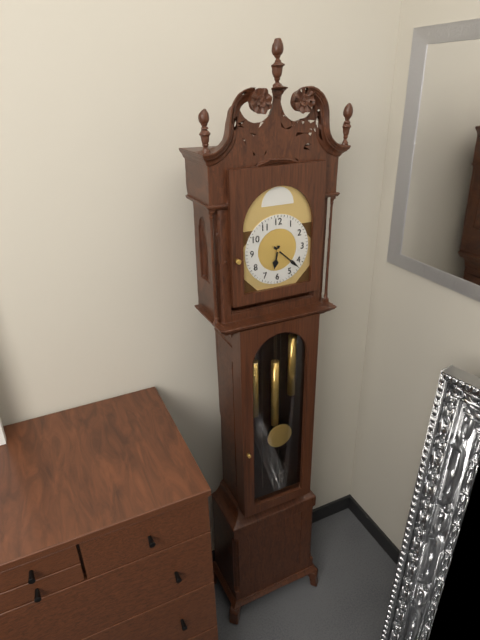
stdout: h=6 m=22
